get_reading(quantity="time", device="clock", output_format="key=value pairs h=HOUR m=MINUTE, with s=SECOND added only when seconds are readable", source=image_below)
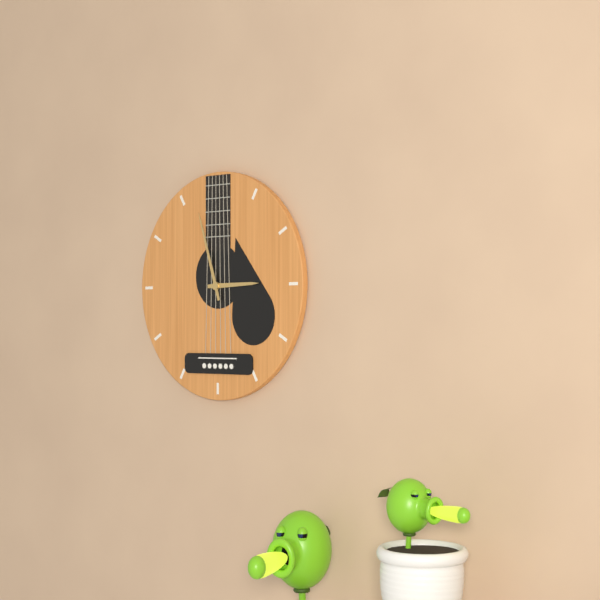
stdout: h=2 m=57
